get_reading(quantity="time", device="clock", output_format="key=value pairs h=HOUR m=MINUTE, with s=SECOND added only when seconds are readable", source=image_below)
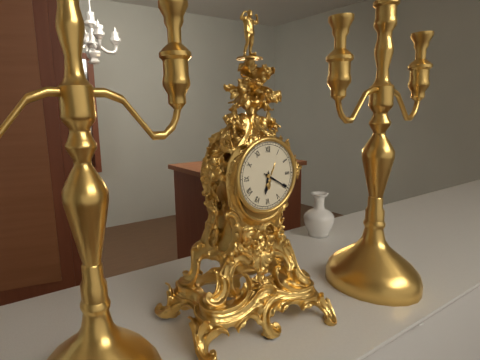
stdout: h=6 m=20
